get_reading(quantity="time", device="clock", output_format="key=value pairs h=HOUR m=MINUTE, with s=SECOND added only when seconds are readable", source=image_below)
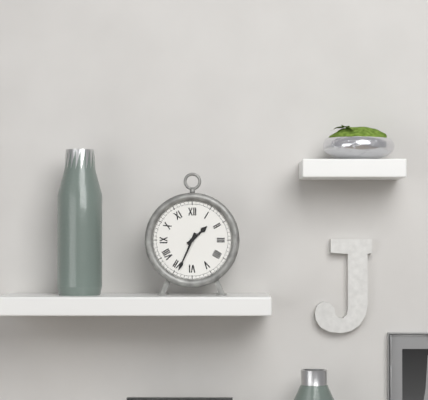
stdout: h=1 m=34
